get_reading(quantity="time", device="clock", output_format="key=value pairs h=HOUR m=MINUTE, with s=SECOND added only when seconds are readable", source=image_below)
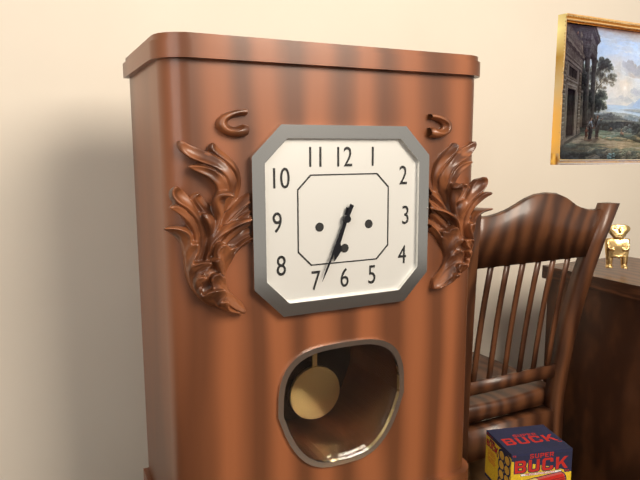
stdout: h=6 m=34
